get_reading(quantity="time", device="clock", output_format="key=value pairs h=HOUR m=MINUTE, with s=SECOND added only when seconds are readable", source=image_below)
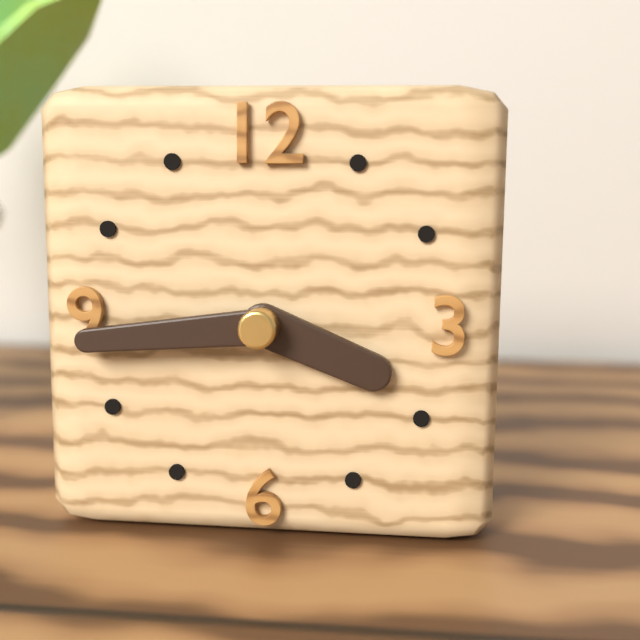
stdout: h=3 m=44
